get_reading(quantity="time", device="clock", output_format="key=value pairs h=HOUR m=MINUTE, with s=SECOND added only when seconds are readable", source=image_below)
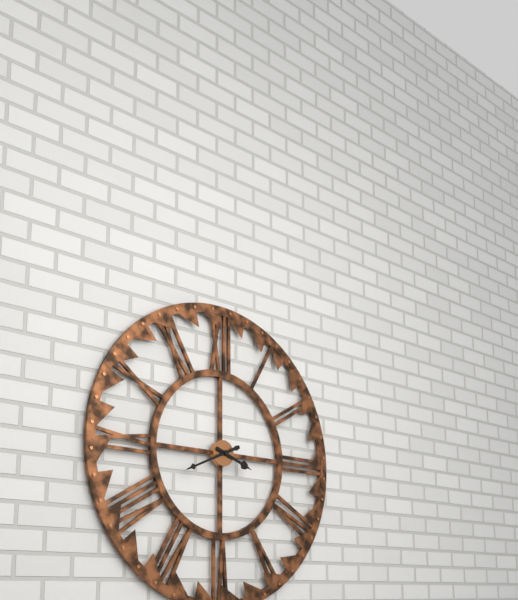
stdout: h=3 m=41
